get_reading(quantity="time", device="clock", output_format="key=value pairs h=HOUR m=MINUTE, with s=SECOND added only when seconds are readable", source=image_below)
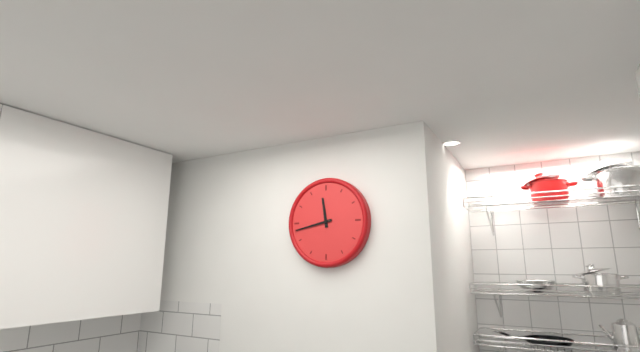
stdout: h=11 m=43
